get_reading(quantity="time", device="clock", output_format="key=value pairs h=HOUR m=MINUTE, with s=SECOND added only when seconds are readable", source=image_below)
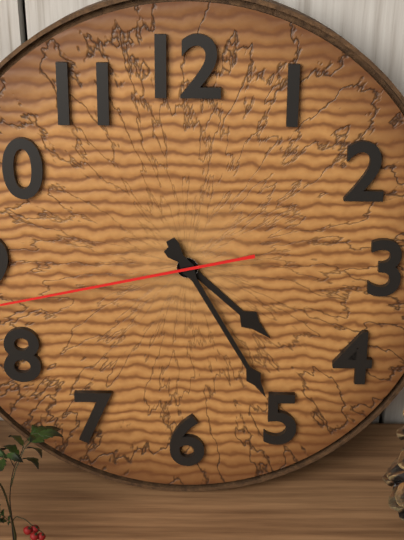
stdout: h=4 m=25
